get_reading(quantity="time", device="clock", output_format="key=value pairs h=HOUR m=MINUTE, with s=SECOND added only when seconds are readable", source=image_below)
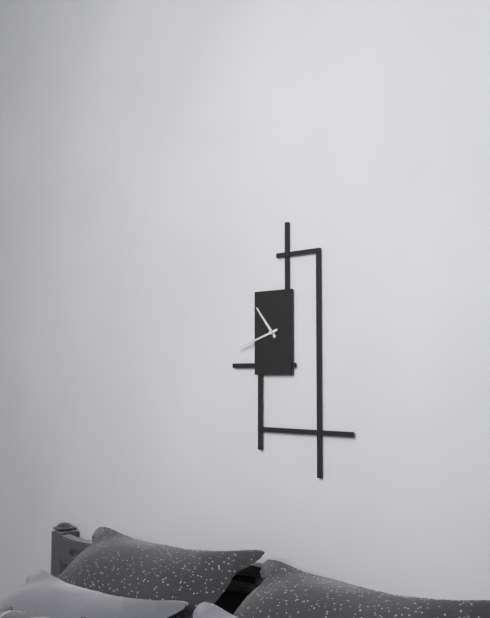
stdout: h=10 m=42
